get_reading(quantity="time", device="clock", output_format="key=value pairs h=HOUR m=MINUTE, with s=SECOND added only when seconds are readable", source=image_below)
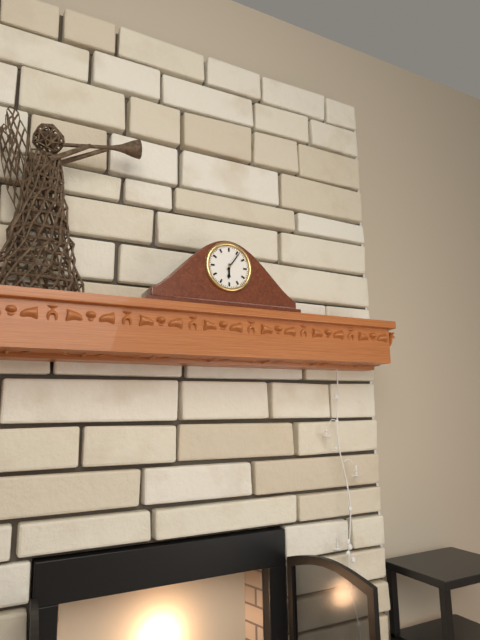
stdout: h=6 m=6
